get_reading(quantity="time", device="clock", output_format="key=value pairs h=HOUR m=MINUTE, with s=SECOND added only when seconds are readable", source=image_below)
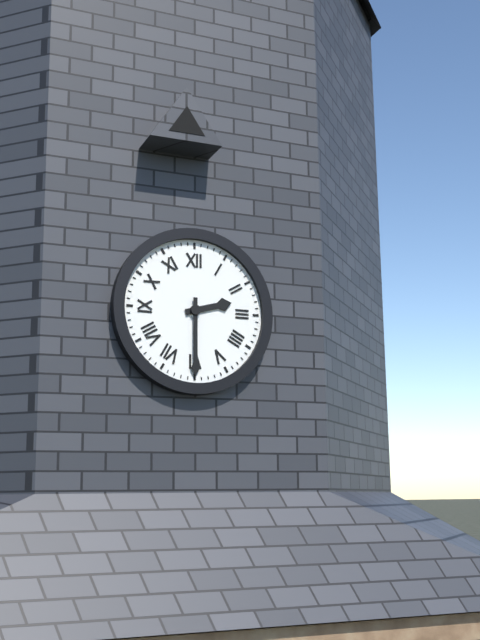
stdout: h=2 m=30
